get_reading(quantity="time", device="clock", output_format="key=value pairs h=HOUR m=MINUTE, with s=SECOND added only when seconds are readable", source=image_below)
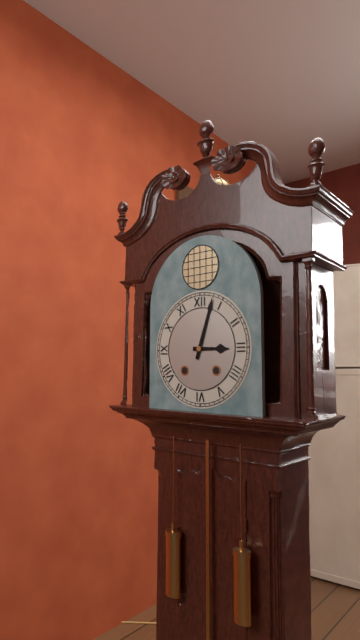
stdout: h=3 m=3
